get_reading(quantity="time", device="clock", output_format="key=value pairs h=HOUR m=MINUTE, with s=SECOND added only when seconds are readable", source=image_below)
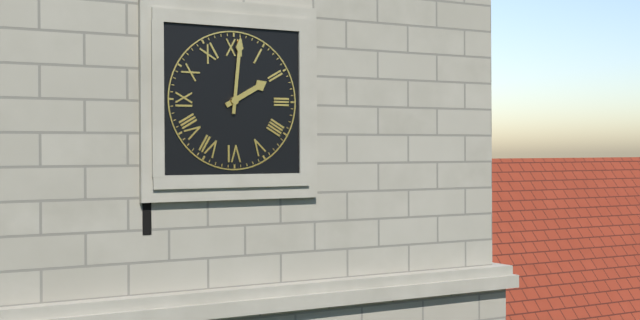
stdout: h=2 m=1
